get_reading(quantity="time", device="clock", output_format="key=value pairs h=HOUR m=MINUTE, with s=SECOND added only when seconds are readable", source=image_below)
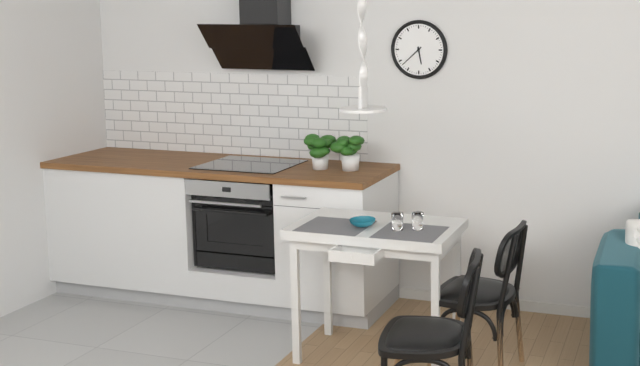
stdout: h=5 m=38
